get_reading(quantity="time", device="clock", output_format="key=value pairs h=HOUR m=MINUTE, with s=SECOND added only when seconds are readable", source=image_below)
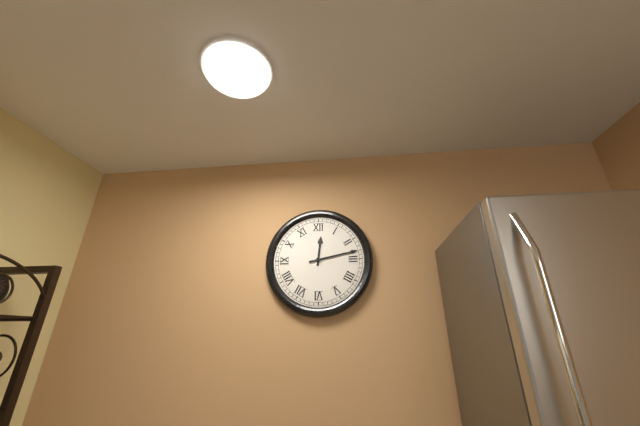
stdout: h=12 m=13
